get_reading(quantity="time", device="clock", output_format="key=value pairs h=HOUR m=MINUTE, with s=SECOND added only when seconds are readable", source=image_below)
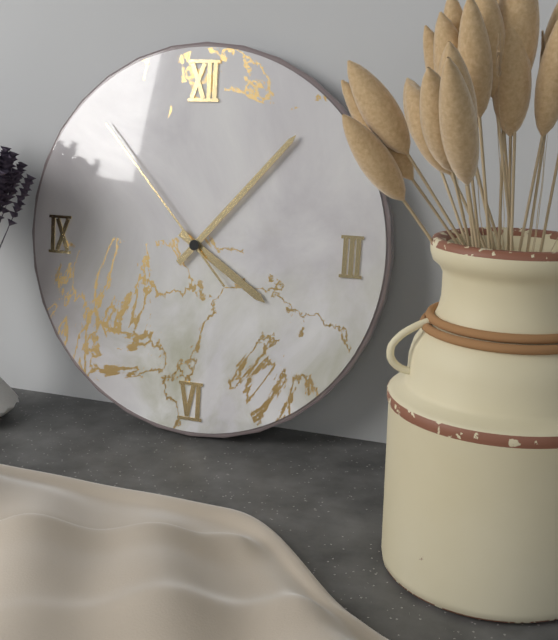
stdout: h=4 m=7 s=53
